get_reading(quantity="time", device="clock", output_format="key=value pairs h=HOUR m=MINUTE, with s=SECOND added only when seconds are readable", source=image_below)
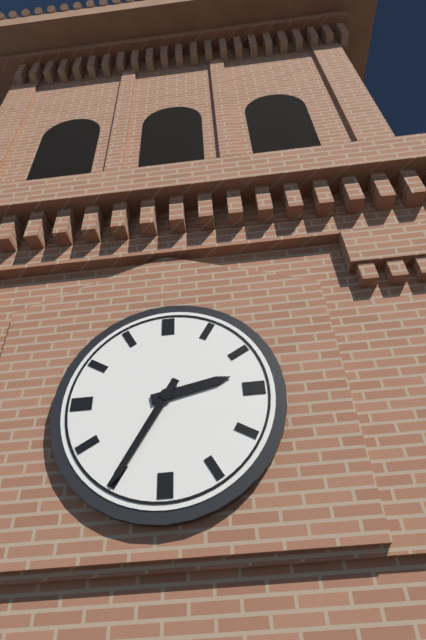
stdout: h=2 m=35
